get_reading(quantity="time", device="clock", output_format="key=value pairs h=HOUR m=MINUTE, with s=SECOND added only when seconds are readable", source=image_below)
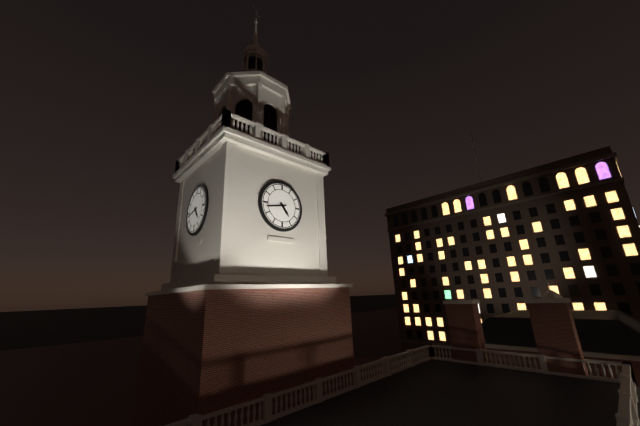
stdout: h=4 m=43
